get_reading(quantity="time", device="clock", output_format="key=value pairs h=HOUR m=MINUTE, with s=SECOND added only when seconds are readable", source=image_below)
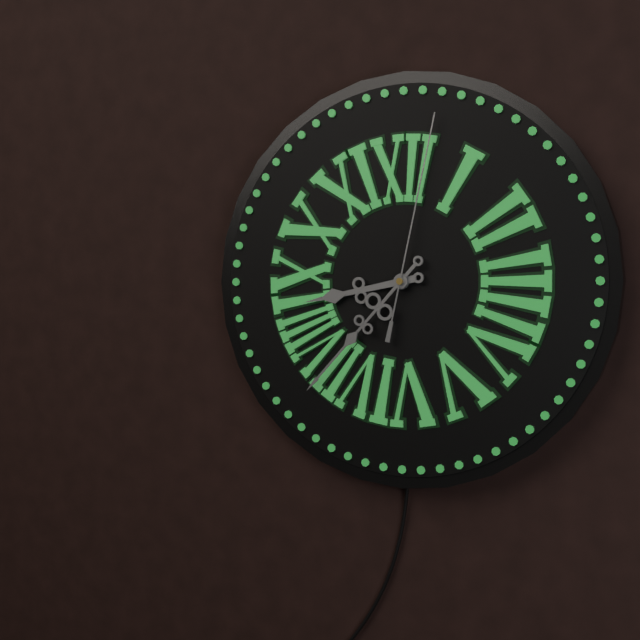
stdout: h=8 m=37 s=2
